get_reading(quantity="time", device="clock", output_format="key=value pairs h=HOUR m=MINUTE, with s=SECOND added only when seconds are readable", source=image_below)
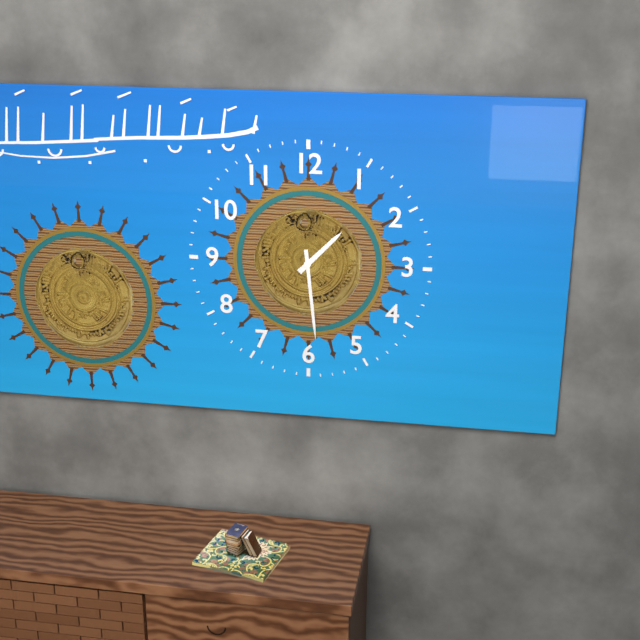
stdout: h=1 m=29
